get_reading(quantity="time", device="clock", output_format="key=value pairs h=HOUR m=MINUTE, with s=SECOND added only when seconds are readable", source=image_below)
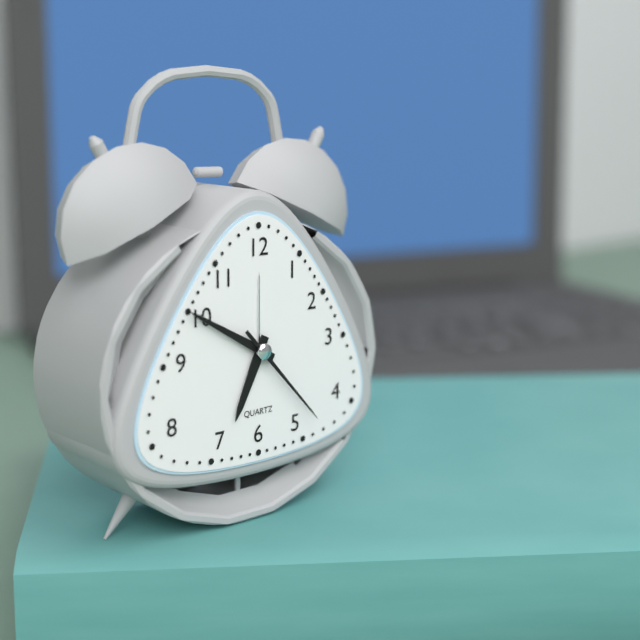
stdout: h=6 m=50 s=23
